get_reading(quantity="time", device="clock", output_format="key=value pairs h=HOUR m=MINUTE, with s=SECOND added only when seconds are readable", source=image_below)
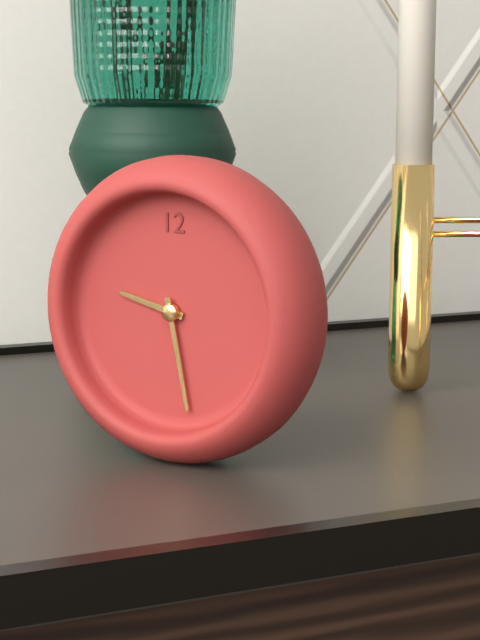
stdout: h=9 m=28
